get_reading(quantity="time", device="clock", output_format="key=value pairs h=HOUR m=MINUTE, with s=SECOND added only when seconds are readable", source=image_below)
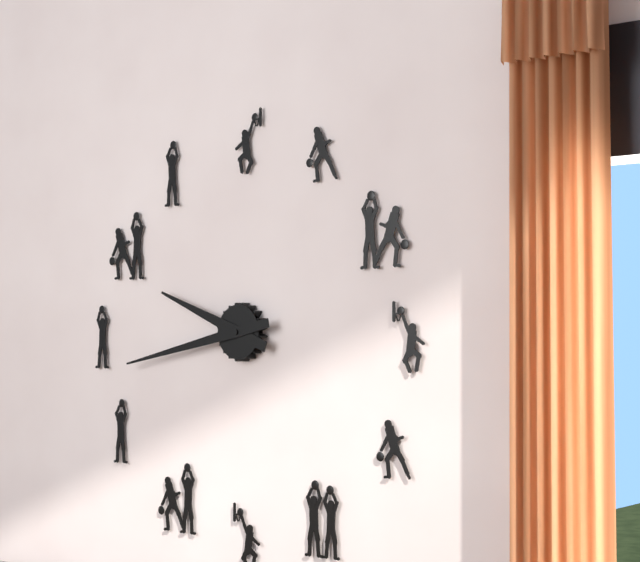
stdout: h=9 m=43
